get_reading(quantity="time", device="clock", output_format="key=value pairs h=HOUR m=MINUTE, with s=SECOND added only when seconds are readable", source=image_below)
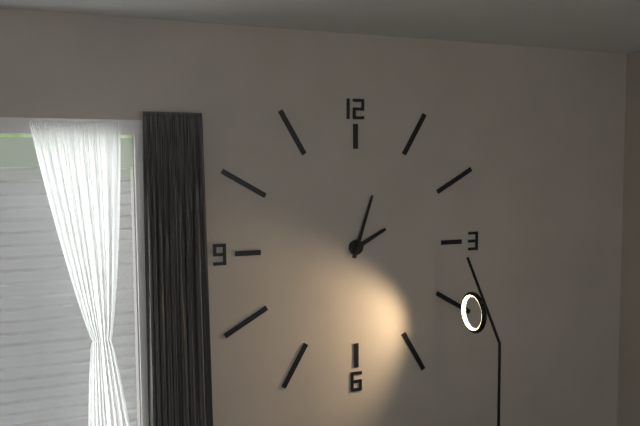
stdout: h=2 m=3
